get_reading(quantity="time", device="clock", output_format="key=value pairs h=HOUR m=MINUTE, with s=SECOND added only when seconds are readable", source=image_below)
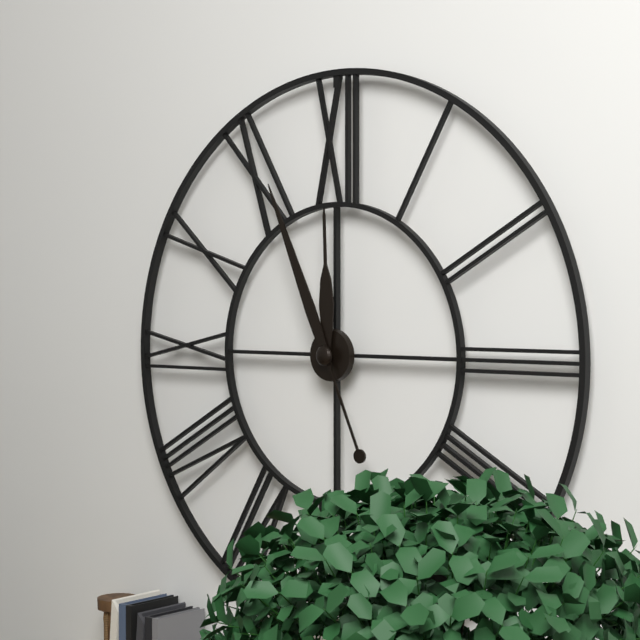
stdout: h=11 m=56
